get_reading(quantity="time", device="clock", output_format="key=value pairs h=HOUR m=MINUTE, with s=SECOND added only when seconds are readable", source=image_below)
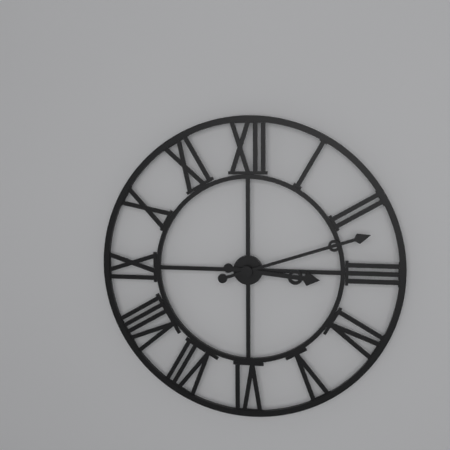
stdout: h=3 m=12
